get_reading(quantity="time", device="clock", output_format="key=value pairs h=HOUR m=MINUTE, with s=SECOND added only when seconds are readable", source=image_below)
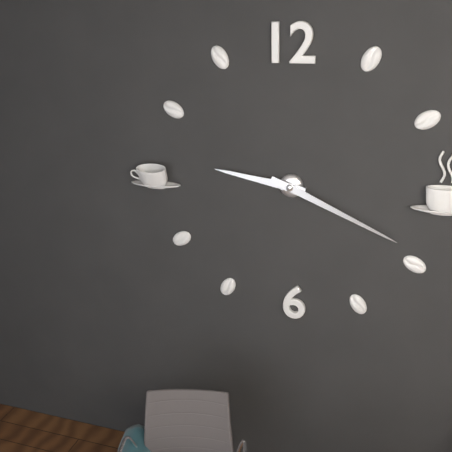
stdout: h=9 m=19
